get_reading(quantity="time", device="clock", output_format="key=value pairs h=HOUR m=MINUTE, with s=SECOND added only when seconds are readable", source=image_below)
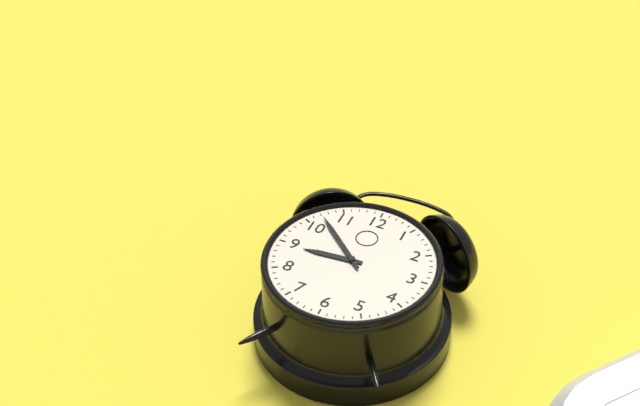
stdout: h=8 m=52
